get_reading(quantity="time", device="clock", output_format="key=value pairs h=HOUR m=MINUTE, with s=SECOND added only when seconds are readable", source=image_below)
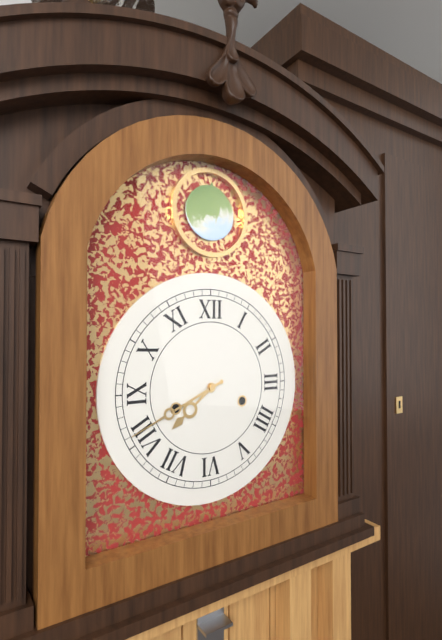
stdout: h=7 m=41
